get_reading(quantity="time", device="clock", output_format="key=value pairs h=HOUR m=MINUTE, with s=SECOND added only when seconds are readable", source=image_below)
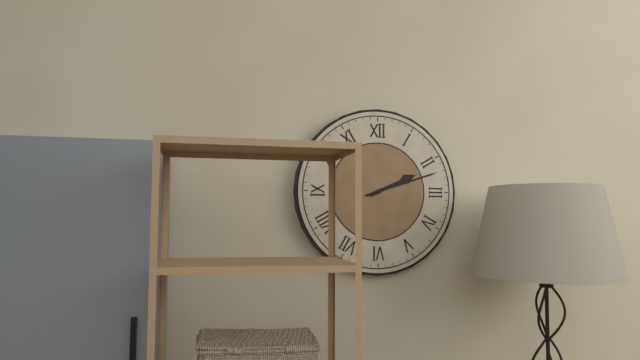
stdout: h=2 m=12
